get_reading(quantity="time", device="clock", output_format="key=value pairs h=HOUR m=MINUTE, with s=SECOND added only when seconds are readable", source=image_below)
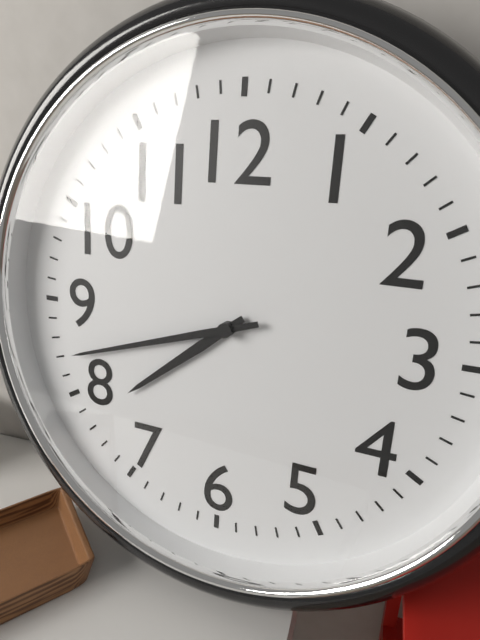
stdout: h=7 m=42
